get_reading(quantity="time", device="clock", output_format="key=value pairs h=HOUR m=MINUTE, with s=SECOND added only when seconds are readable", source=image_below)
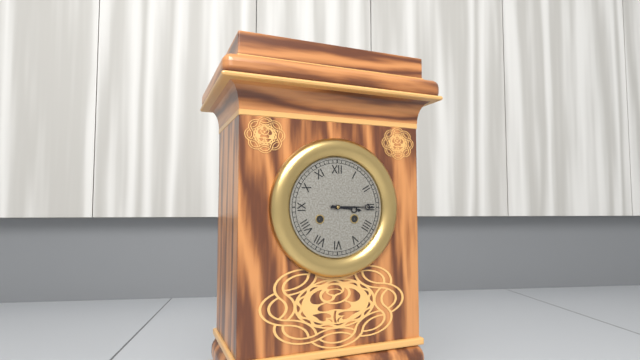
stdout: h=3 m=15
